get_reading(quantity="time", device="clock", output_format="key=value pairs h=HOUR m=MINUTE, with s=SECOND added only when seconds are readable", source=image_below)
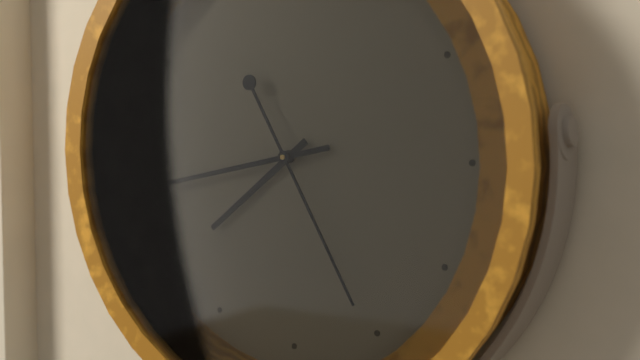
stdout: h=7 m=43 s=25
